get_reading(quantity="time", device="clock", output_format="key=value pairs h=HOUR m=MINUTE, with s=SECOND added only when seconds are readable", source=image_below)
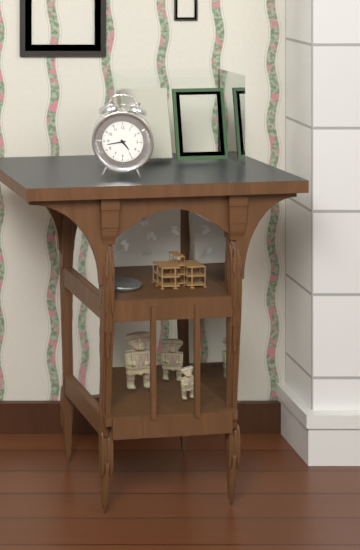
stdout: h=4 m=43
